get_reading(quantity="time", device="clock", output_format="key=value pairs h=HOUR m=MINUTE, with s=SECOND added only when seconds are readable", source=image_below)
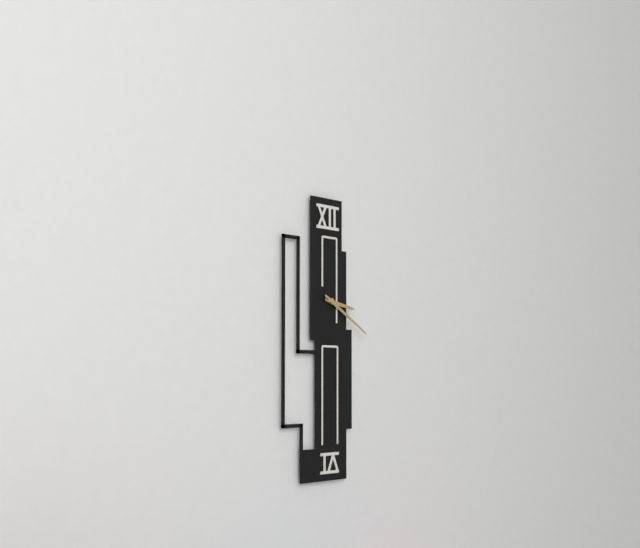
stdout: h=3 m=20
